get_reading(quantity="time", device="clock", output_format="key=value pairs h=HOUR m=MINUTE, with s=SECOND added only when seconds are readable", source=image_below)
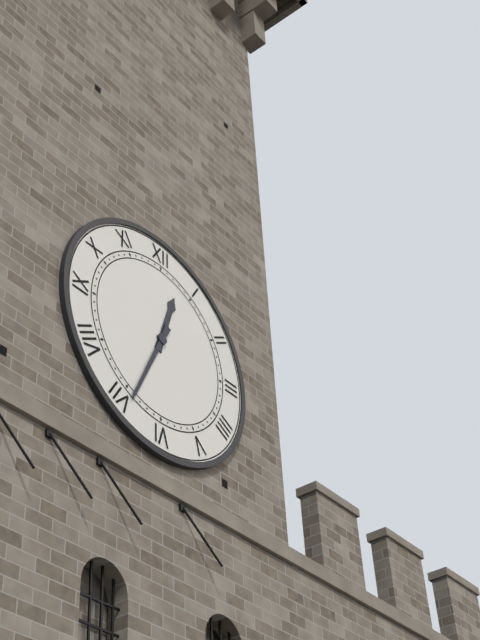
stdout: h=12 m=34
